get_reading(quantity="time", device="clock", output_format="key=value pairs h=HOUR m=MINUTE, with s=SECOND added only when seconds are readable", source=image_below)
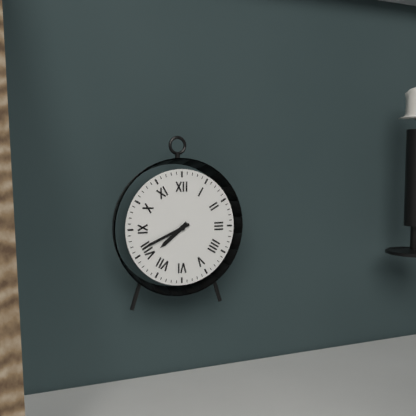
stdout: h=7 m=41
